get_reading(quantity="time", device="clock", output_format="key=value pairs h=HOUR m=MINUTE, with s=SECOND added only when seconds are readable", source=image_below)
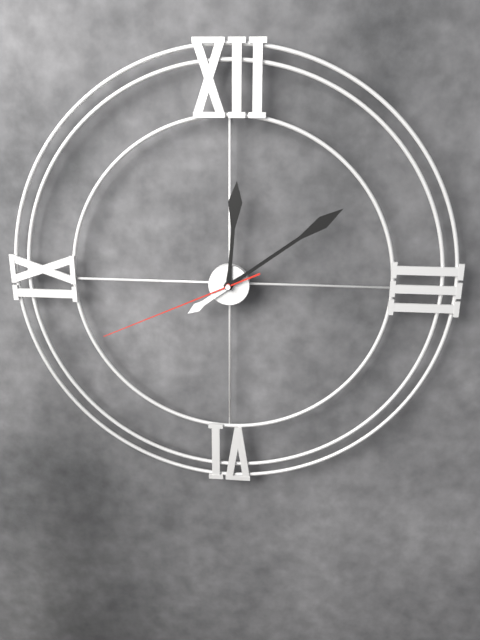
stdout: h=12 m=9 s=41
